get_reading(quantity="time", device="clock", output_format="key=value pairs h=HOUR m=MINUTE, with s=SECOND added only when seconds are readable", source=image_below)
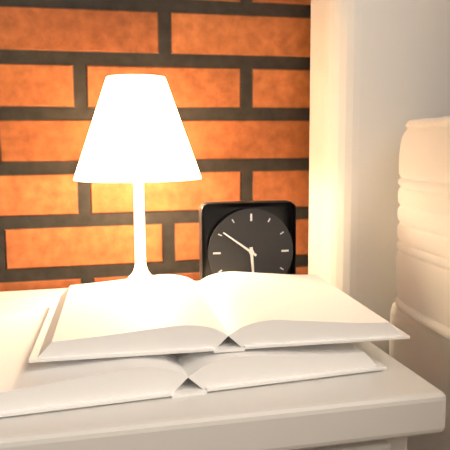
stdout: h=5 m=51
